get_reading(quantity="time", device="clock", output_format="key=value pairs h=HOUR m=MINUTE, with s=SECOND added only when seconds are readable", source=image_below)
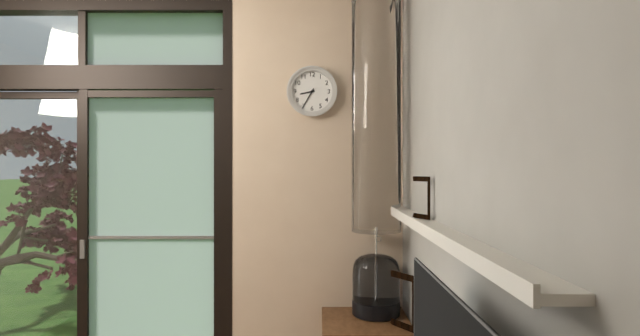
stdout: h=8 m=35
